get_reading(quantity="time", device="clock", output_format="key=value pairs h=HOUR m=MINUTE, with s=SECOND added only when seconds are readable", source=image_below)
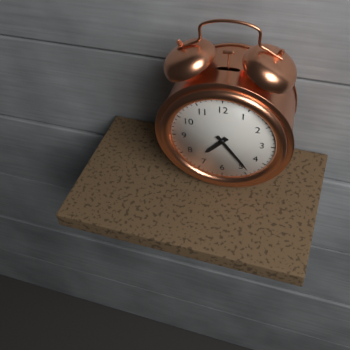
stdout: h=7 m=24
